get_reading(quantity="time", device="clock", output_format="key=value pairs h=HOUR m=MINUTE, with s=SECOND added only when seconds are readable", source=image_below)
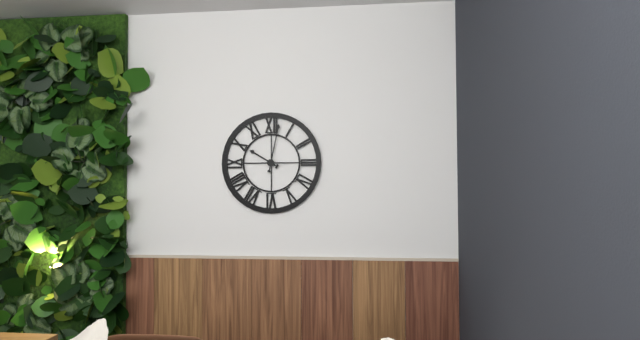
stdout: h=10 m=2
